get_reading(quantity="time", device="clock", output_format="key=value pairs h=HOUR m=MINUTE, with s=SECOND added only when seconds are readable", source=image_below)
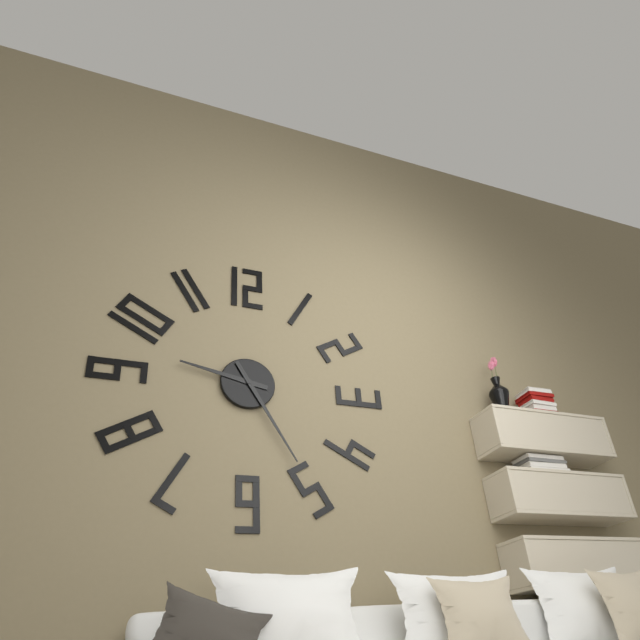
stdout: h=9 m=25
